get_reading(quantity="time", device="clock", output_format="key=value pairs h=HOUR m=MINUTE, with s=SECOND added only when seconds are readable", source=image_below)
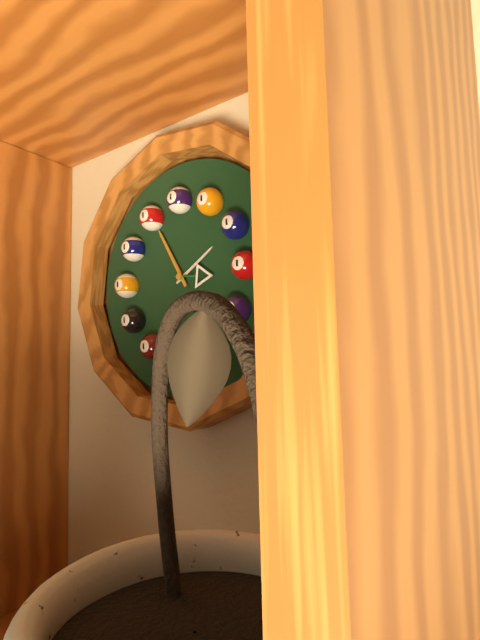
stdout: h=1 m=55
